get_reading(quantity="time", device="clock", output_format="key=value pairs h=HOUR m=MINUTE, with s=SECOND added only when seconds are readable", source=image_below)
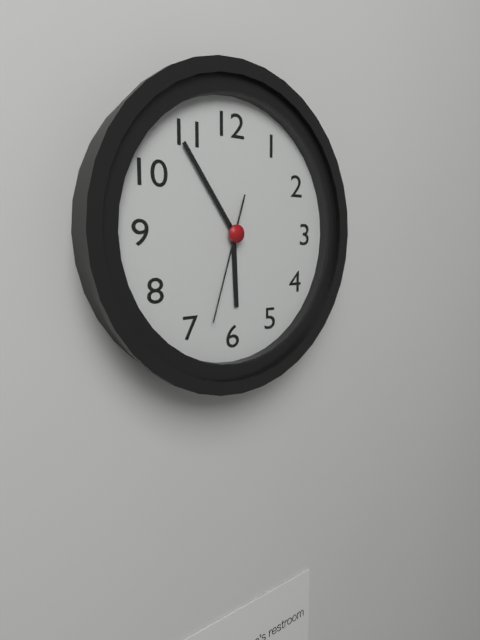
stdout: h=5 m=54 s=33
